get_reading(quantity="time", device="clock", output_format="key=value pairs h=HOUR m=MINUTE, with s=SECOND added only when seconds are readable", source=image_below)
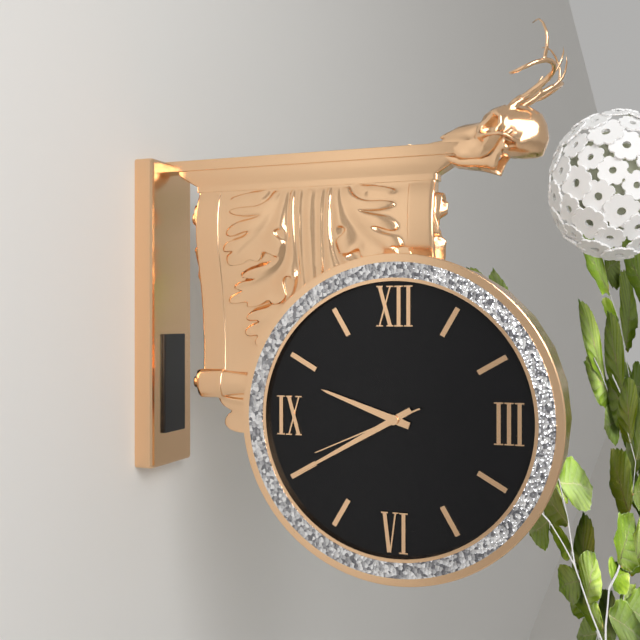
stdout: h=9 m=40 s=41
